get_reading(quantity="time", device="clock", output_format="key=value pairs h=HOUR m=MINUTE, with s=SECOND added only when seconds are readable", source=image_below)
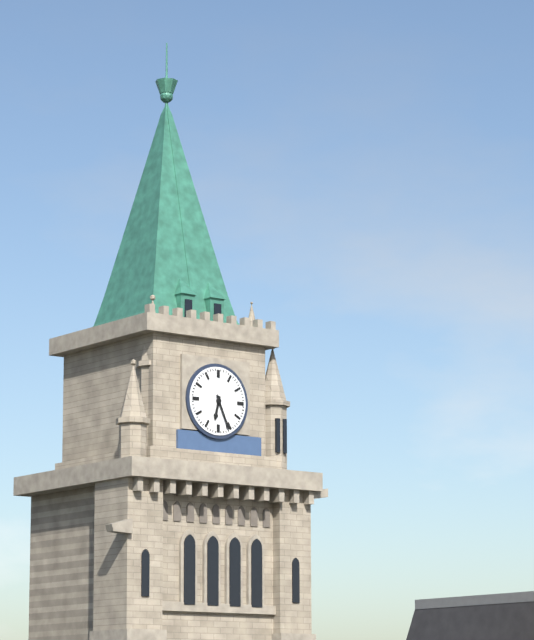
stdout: h=6 m=26
